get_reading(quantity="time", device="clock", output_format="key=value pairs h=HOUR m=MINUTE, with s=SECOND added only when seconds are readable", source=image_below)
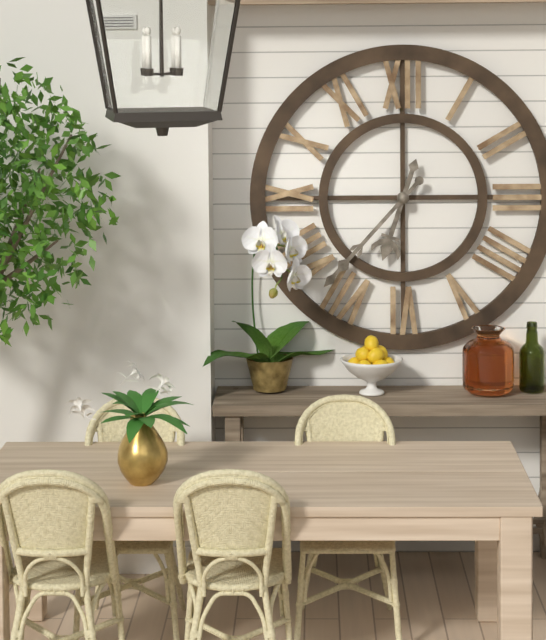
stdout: h=6 m=37
